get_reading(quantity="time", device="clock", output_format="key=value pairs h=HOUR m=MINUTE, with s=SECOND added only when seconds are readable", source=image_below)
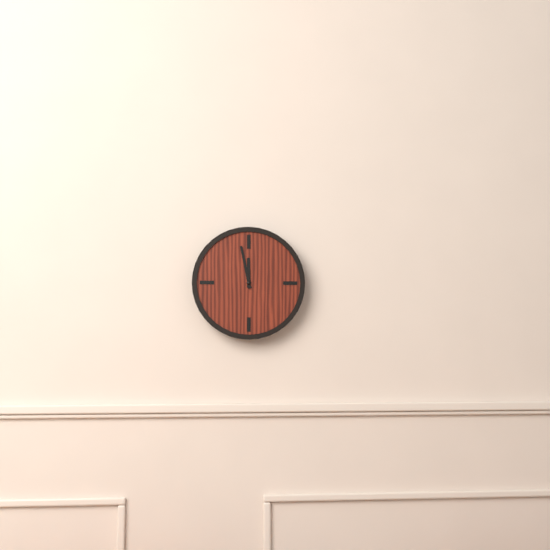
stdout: h=11 m=58
